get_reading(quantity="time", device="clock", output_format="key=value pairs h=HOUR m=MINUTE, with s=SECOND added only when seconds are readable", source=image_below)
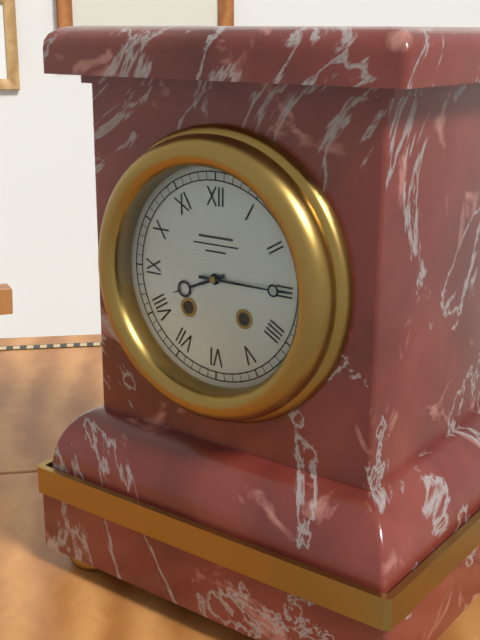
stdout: h=8 m=15
